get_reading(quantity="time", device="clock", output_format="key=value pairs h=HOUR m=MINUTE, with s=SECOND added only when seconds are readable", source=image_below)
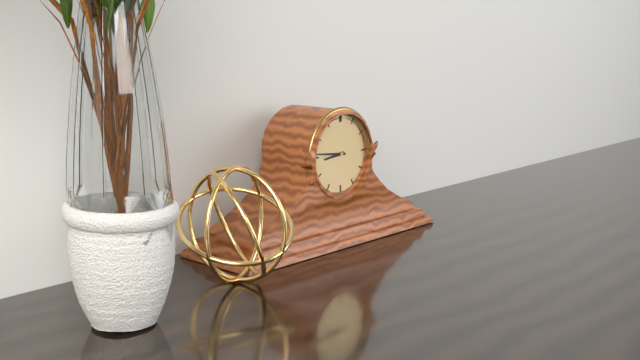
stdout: h=8 m=46
